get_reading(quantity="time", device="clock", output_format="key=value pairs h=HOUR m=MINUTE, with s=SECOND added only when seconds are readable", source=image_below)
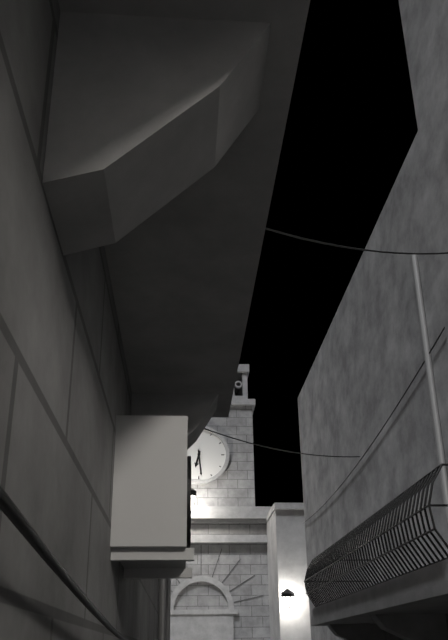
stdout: h=6 m=29
